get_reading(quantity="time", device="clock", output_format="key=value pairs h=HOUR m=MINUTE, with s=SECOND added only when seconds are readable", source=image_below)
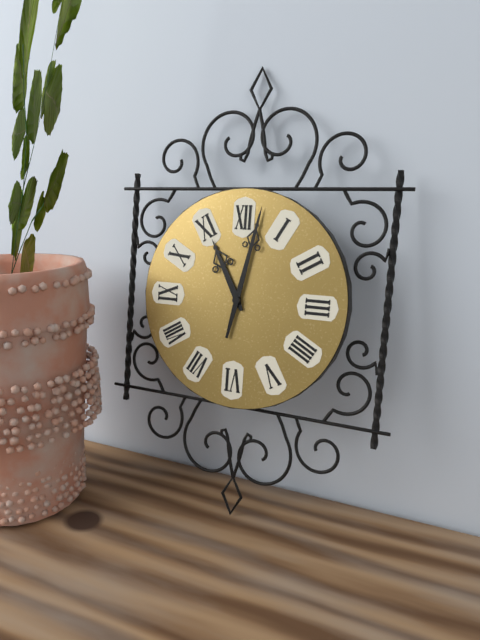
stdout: h=11 m=2
